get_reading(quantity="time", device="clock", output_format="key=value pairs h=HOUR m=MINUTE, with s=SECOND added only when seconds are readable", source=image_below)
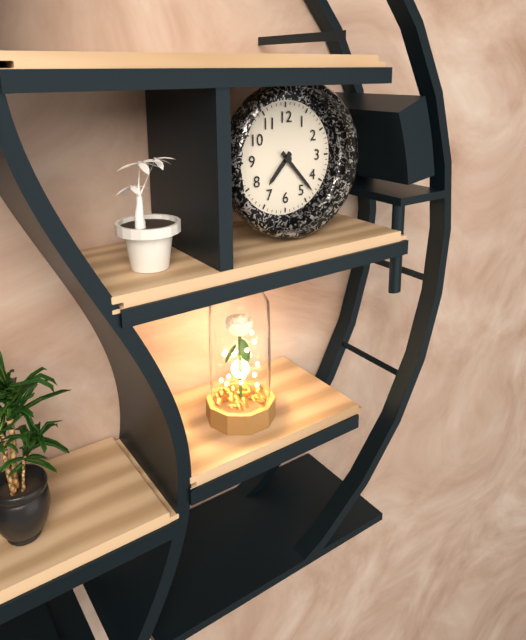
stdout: h=7 m=23
